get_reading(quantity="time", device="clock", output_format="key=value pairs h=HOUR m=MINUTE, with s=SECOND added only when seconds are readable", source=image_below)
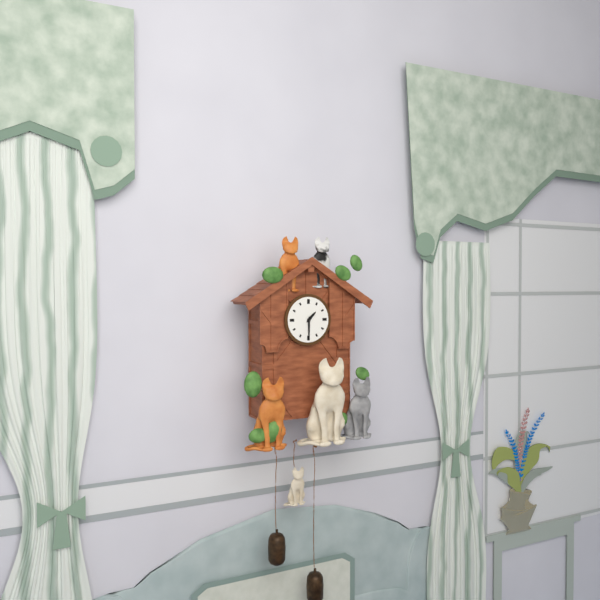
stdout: h=1 m=30
